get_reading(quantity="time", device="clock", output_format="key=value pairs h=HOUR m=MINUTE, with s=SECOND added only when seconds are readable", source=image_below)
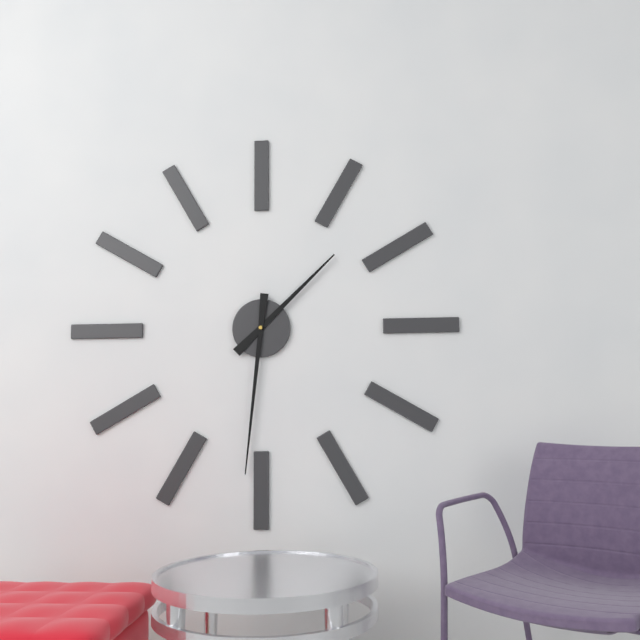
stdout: h=1 m=31
